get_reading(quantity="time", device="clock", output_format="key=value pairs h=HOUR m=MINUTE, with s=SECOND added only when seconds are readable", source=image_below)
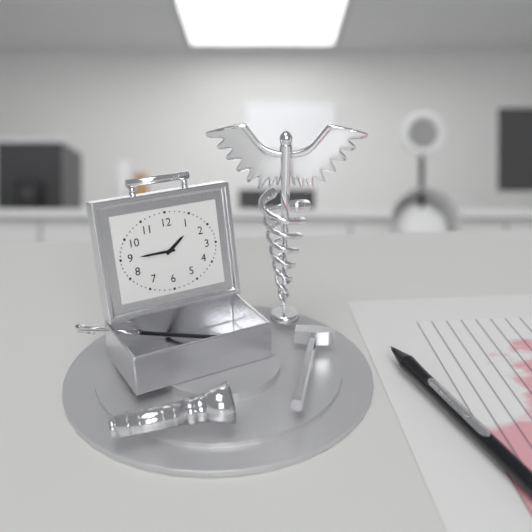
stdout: h=1 m=45
